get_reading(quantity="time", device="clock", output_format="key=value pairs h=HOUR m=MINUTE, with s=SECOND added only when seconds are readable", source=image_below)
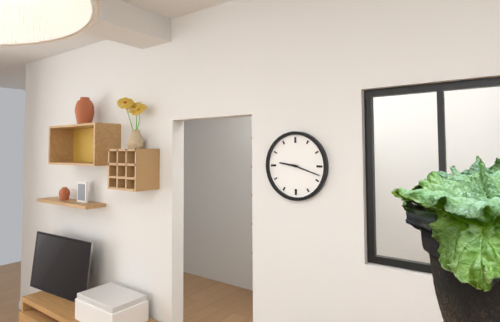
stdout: h=9 m=18
